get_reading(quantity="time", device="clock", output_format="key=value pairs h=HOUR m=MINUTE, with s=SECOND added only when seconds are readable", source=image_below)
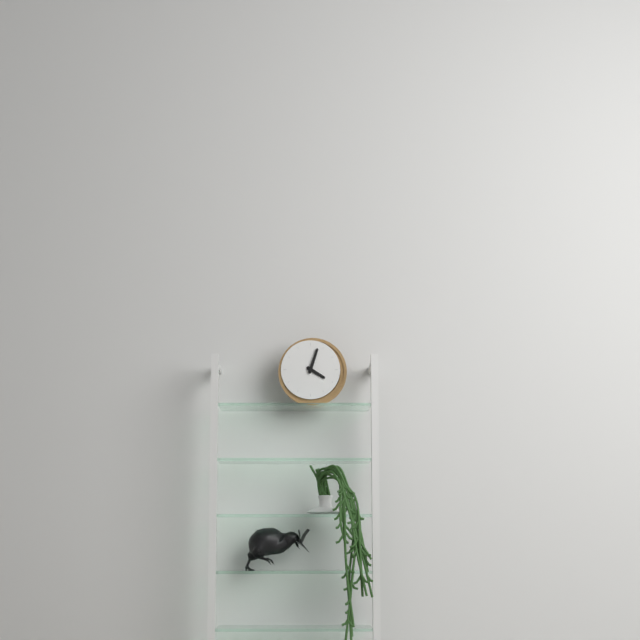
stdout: h=4 m=3
